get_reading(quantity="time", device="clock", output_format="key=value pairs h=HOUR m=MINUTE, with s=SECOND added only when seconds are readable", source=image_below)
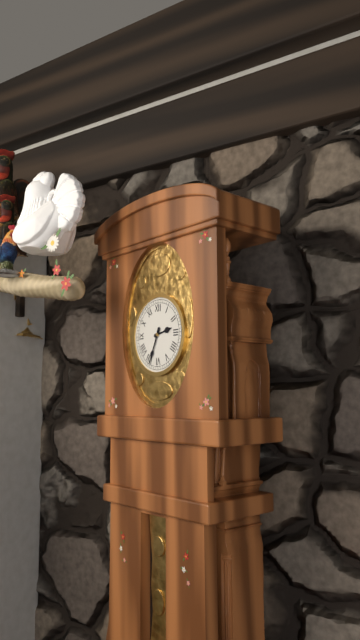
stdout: h=2 m=34
